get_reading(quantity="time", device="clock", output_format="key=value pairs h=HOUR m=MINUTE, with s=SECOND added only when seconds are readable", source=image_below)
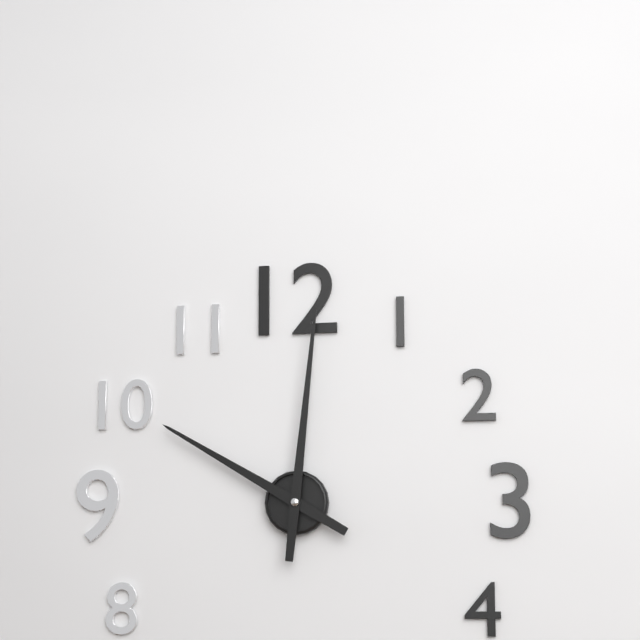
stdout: h=10 m=1
